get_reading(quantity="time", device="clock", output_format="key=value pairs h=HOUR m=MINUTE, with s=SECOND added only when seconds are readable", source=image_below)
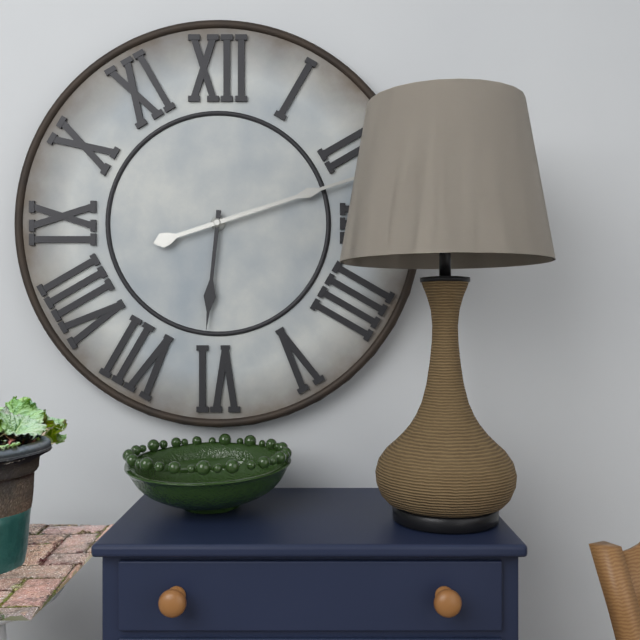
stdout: h=6 m=12
